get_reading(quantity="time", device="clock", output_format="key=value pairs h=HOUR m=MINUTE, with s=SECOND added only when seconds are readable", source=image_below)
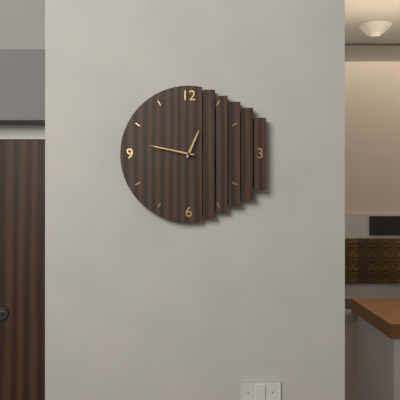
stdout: h=12 m=47
